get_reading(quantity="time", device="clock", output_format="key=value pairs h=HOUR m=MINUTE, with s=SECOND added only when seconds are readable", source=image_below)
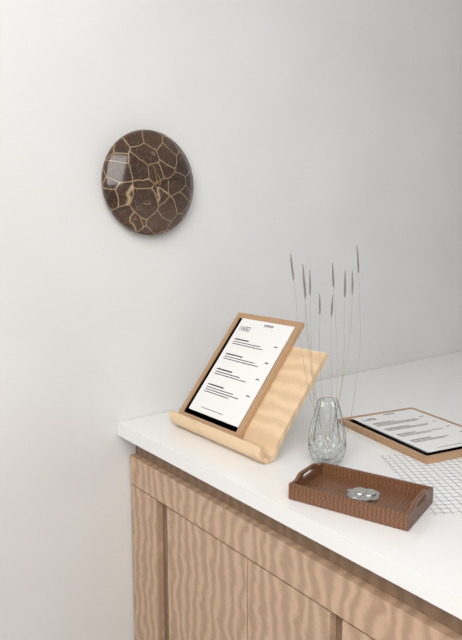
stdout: h=11 m=12
